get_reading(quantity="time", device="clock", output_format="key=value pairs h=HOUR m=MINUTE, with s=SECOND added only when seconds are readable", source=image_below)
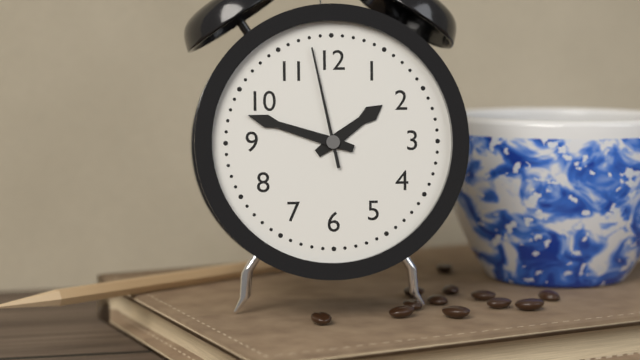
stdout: h=1 m=48 s=58
